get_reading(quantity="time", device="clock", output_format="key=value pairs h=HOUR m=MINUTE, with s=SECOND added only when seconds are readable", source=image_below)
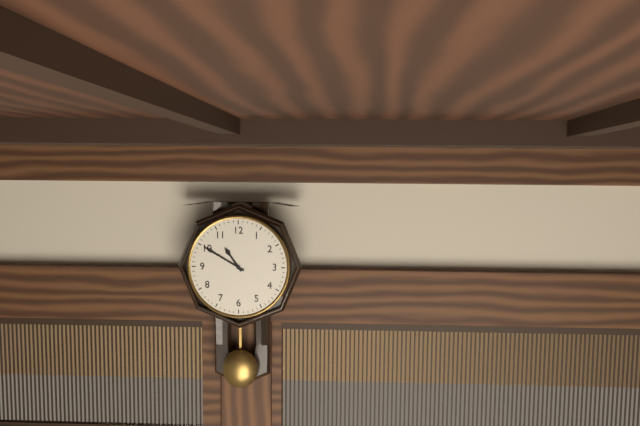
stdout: h=10 m=50
